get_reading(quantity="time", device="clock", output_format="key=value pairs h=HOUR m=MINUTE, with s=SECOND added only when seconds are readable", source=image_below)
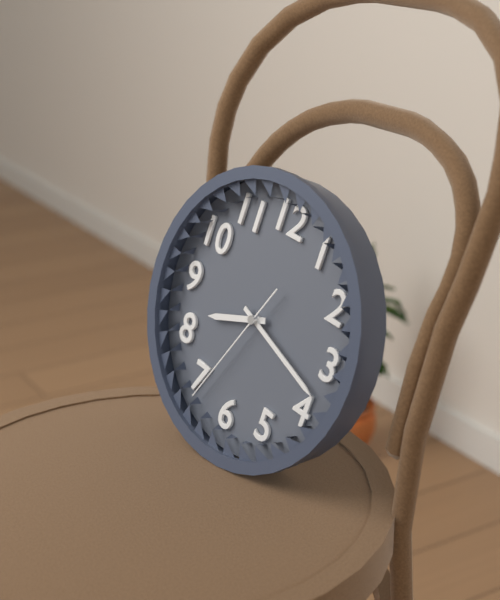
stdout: h=8 m=18 s=34
